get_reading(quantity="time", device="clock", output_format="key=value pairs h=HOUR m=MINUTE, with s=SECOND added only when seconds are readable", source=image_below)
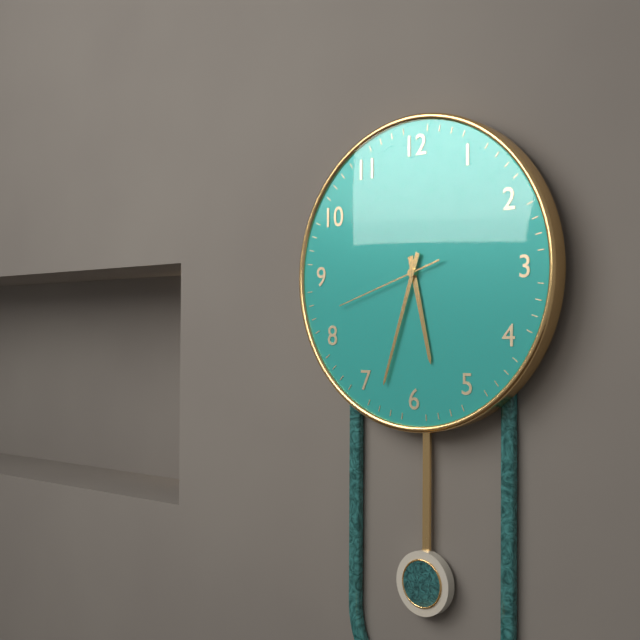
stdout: h=5 m=33 s=42
